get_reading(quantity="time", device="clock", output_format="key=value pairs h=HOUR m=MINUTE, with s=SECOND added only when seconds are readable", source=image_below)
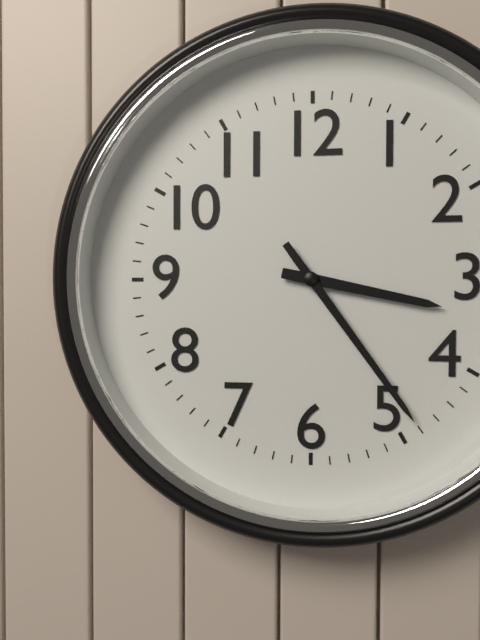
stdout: h=3 m=24
